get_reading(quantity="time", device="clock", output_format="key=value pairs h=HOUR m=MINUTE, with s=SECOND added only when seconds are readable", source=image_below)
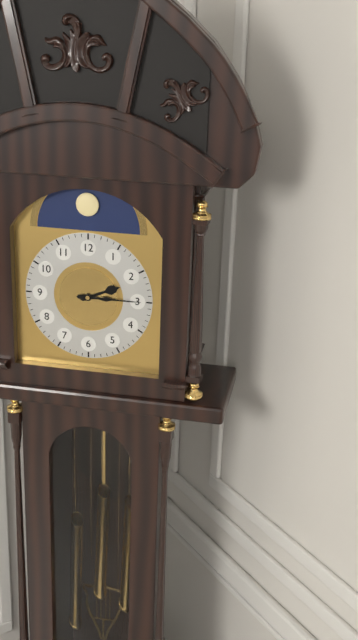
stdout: h=2 m=15
